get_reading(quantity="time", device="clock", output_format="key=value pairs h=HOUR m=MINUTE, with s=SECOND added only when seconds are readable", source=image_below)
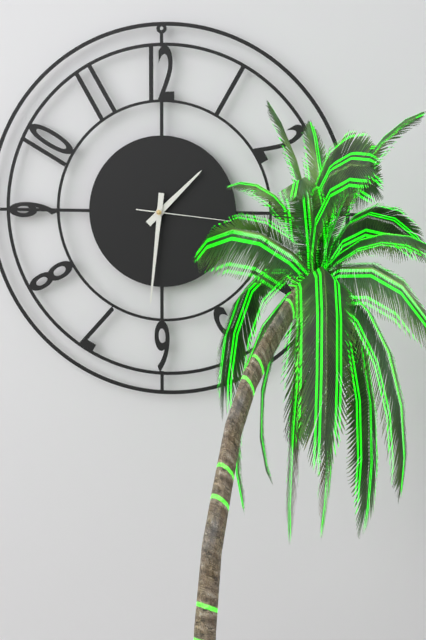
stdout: h=1 m=31 s=16
